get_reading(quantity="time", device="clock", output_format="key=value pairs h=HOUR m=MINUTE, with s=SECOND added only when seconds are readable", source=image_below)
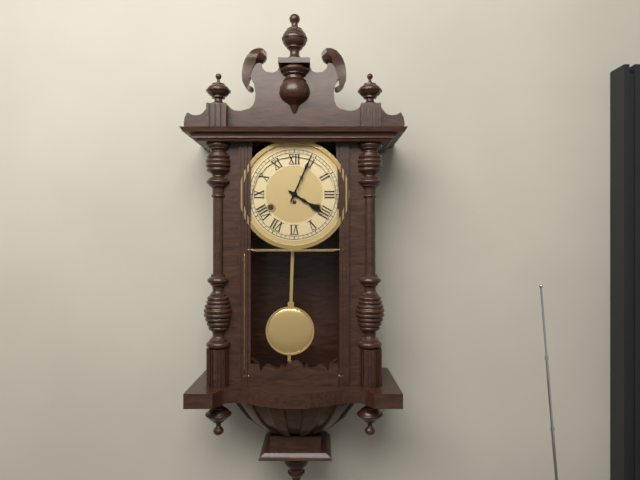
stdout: h=4 m=4
